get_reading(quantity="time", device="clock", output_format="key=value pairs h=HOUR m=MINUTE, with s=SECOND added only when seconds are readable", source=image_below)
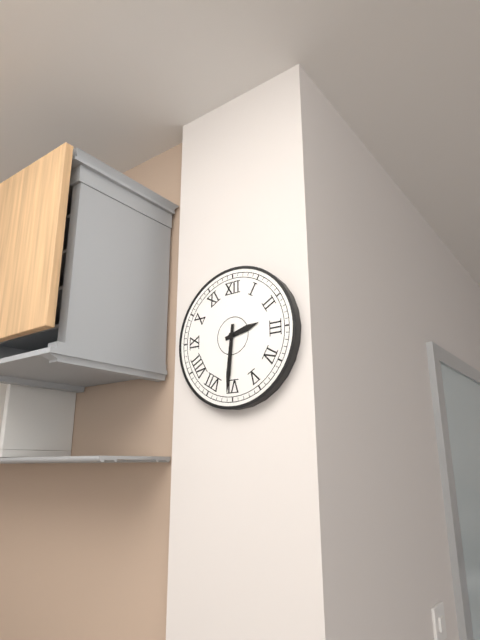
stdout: h=2 m=31
